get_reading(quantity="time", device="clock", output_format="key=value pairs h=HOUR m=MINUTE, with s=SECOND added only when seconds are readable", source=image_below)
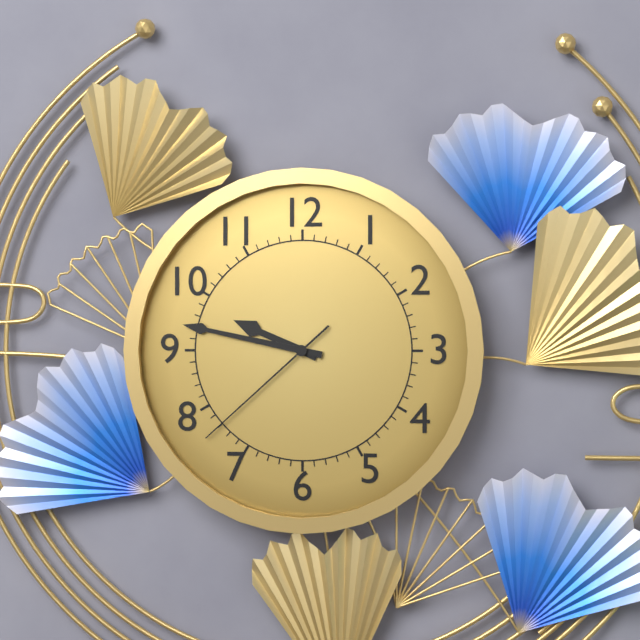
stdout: h=9 m=47 s=38
